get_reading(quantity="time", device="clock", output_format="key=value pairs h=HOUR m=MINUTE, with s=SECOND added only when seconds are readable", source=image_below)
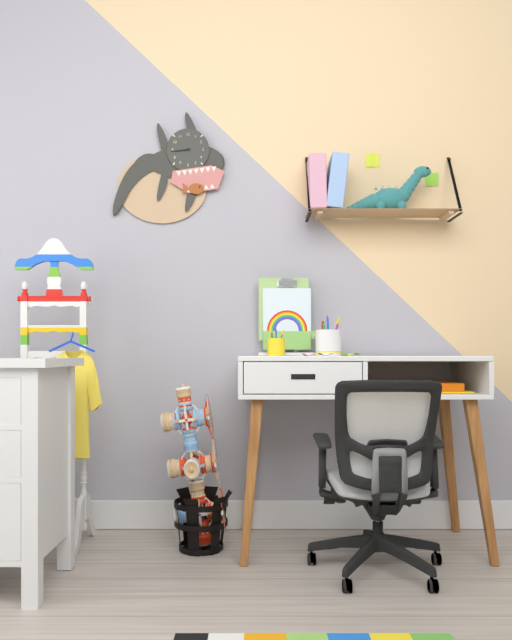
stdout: h=8 m=44
